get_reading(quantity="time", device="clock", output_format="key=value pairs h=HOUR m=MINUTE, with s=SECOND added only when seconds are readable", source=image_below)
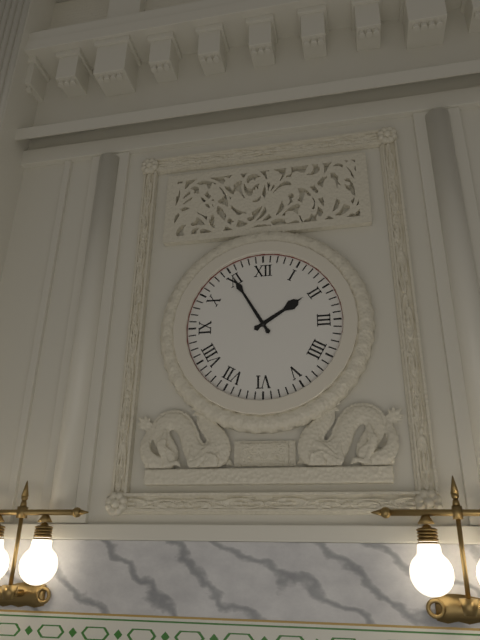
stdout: h=1 m=55
